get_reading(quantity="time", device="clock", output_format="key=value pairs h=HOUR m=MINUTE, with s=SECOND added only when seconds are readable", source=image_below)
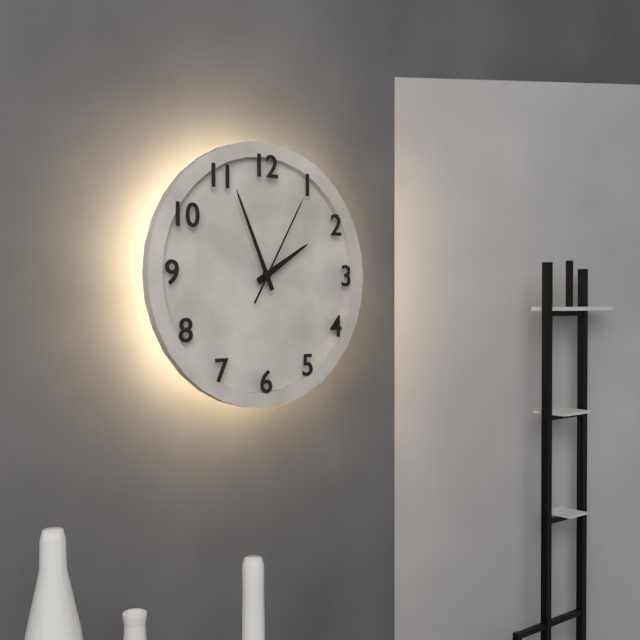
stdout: h=1 m=56 s=5
